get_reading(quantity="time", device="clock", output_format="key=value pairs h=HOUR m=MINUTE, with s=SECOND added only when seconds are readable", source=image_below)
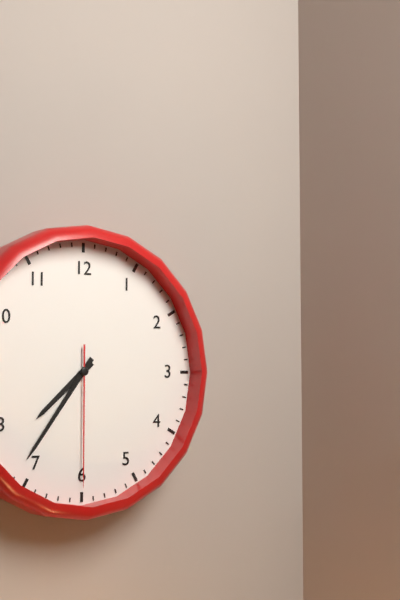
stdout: h=7 m=36 s=30
